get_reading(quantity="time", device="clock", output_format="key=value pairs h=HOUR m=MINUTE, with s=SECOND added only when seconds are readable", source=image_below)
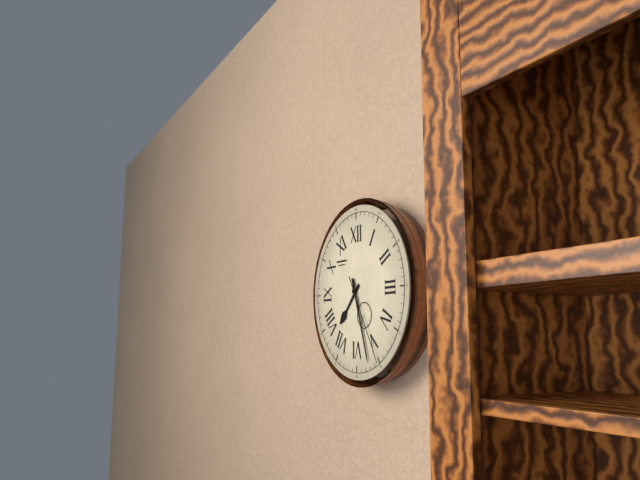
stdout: h=7 m=27 s=25
